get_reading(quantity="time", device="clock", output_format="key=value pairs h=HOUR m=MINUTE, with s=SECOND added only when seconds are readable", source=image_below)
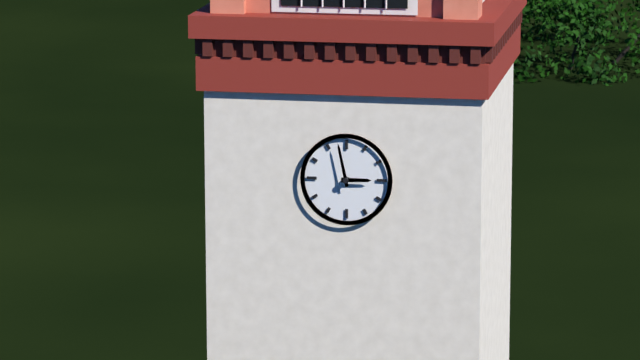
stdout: h=2 m=58
